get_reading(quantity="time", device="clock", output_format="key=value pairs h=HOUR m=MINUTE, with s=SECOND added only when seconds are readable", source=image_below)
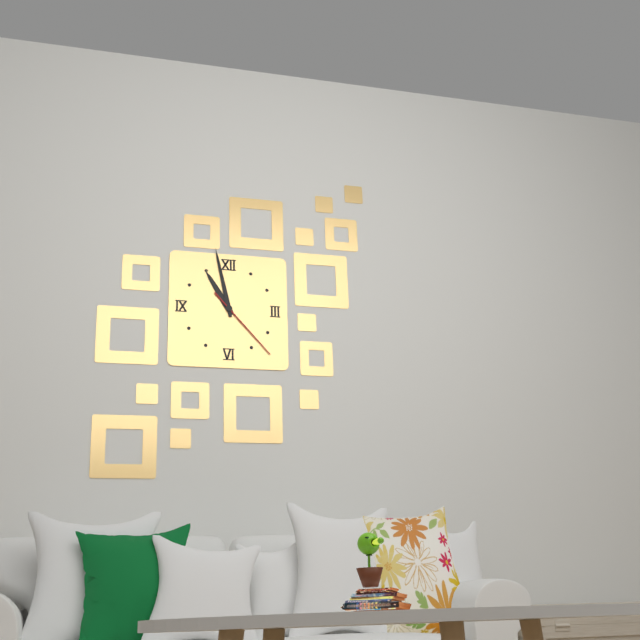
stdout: h=10 m=58 s=23
